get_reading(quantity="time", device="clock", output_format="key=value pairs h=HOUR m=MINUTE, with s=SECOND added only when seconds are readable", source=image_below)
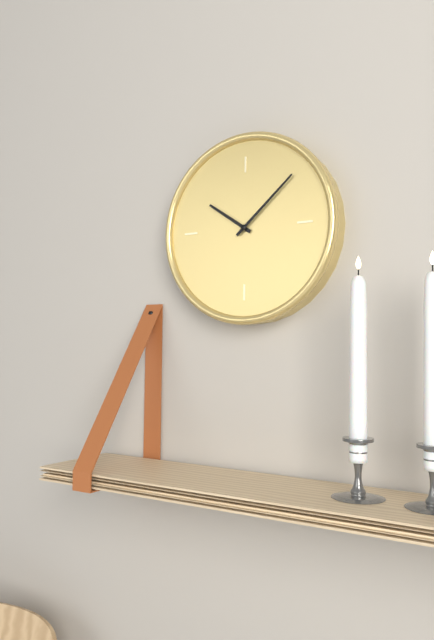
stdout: h=10 m=8
